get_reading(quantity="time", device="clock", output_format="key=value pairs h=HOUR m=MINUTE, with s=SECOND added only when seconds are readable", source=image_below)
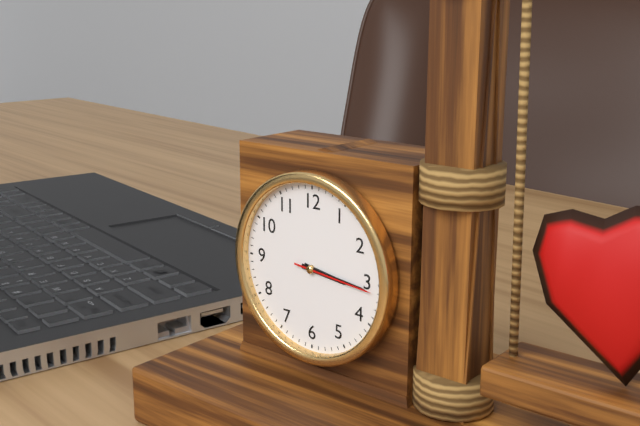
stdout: h=3 m=16 s=16
